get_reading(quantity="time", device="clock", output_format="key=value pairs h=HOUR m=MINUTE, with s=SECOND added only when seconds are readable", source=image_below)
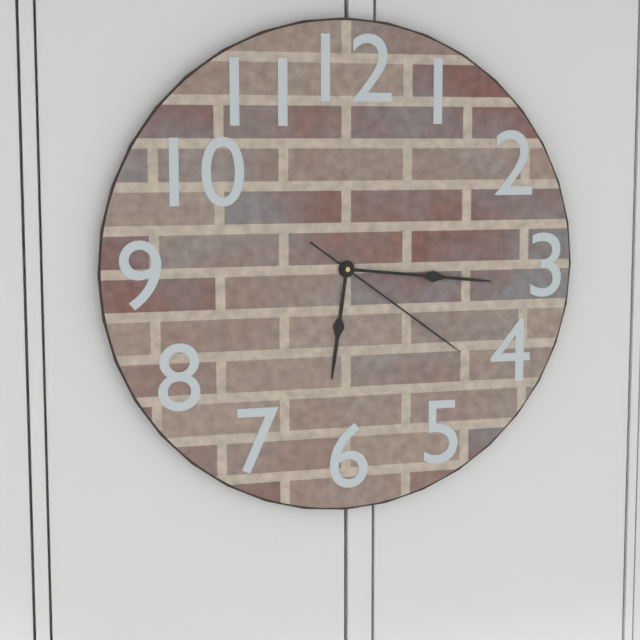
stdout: h=6 m=16 s=21
